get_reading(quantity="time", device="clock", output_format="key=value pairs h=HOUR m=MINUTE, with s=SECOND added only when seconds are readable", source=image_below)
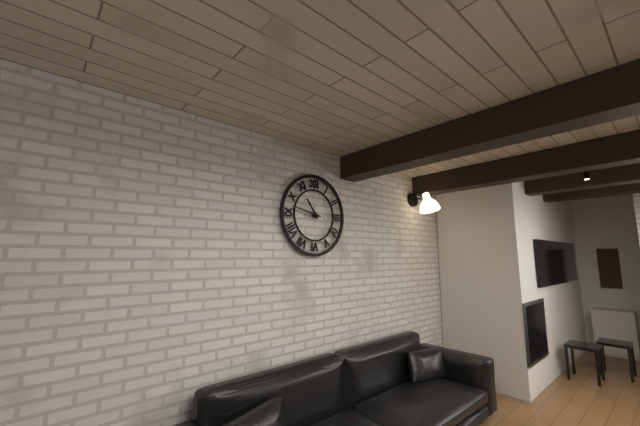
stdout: h=10 m=47
